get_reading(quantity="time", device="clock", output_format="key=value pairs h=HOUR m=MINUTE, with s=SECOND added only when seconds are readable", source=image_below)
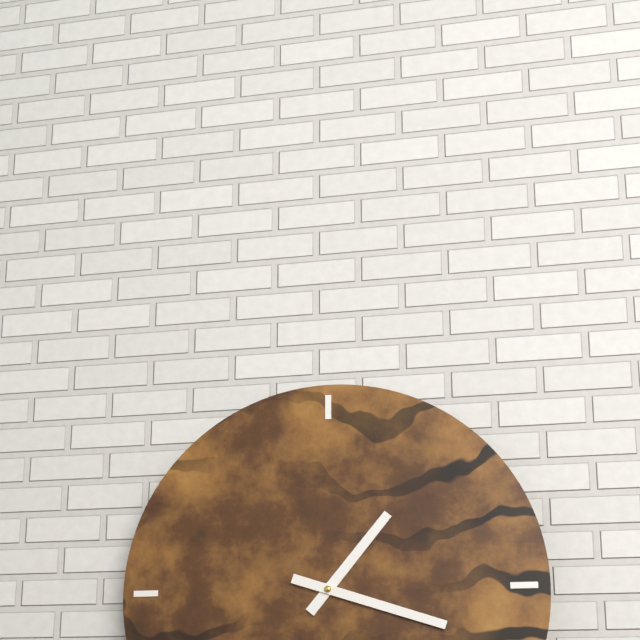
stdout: h=1 m=18
